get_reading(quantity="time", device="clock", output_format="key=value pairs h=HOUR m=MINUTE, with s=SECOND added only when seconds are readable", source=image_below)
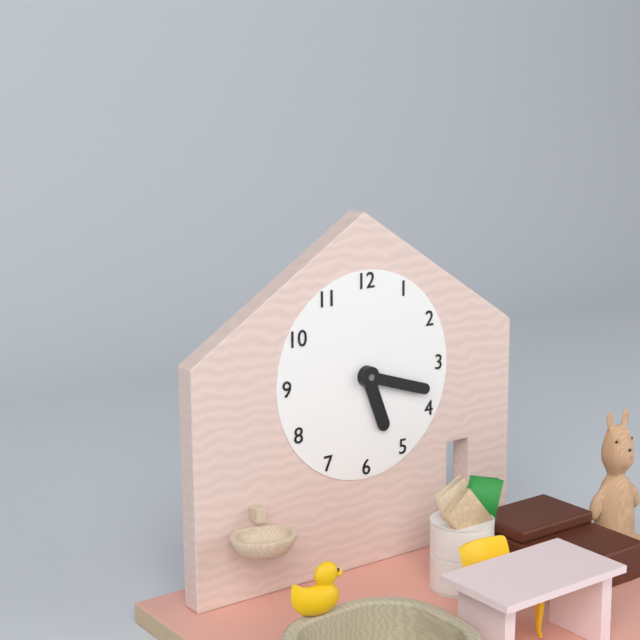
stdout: h=5 m=18
